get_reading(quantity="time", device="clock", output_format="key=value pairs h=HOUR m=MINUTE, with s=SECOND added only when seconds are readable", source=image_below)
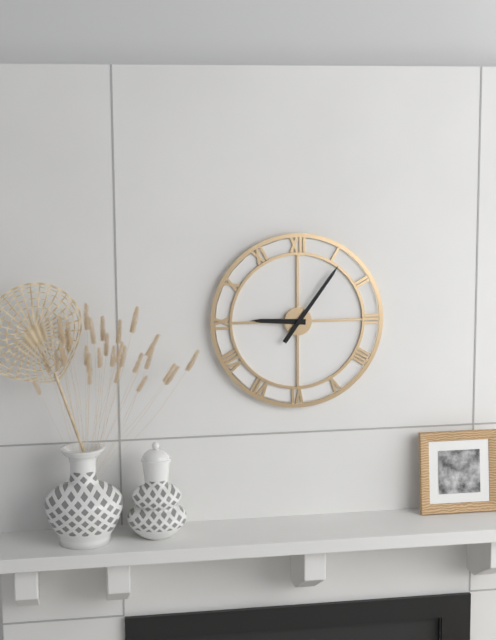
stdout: h=9 m=6
